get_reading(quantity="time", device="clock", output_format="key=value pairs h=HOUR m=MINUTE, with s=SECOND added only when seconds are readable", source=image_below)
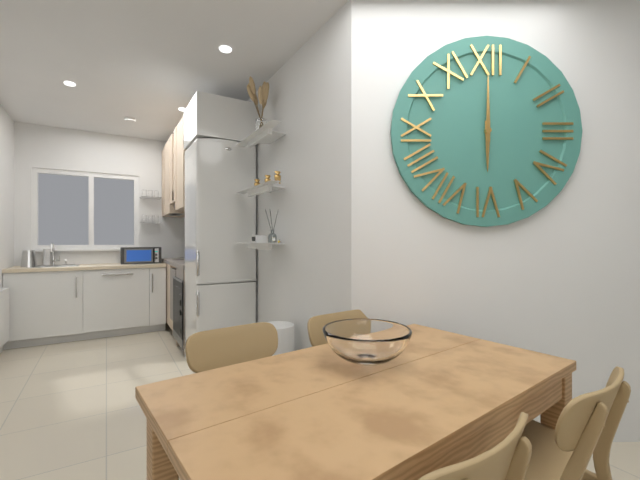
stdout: h=6 m=0
